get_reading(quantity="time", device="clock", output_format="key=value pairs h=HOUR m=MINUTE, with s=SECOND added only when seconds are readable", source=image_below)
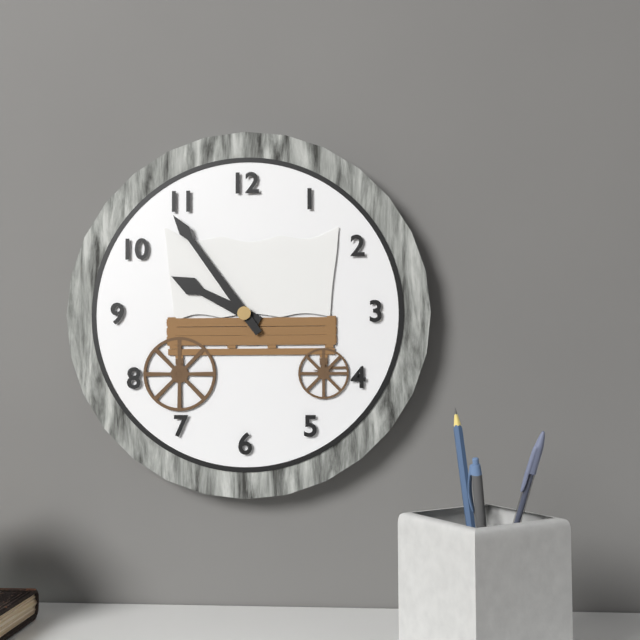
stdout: h=9 m=54
